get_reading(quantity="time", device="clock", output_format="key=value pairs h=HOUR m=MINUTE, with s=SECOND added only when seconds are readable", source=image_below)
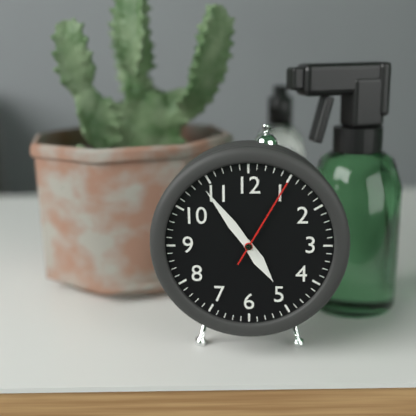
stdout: h=4 m=54 s=5
